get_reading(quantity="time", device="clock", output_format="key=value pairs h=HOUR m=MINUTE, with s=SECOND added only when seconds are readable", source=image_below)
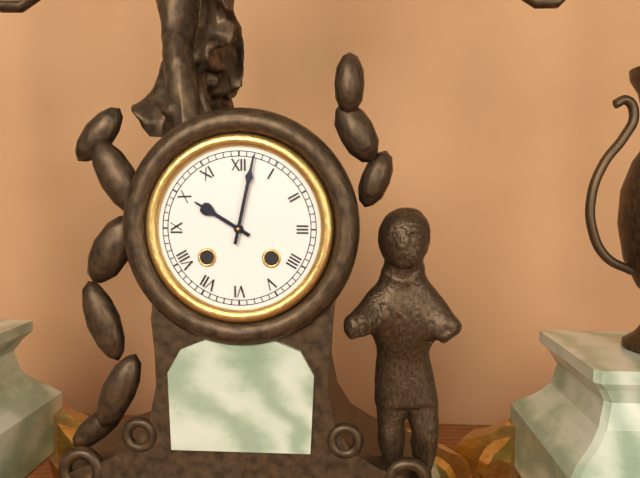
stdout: h=10 m=2
